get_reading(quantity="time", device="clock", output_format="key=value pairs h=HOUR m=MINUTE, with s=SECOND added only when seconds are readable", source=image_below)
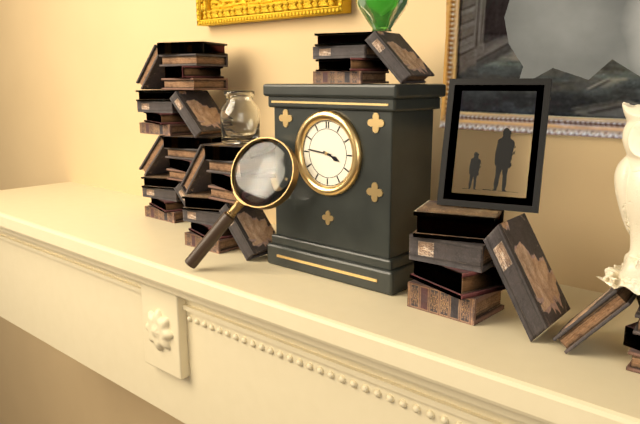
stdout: h=3 m=46
